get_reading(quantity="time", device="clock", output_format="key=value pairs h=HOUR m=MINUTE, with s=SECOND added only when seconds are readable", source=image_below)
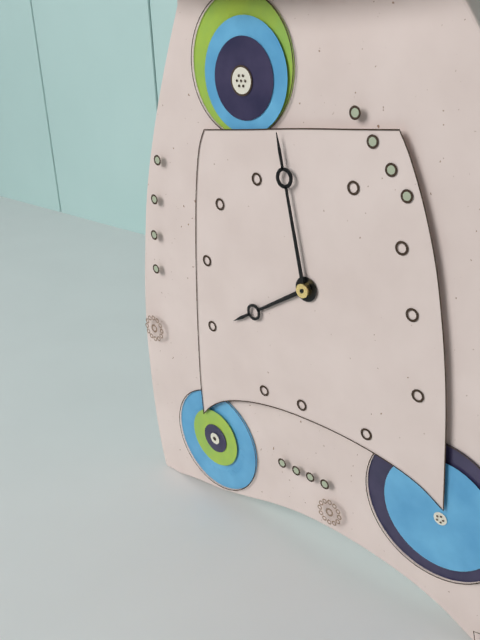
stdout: h=7 m=58
